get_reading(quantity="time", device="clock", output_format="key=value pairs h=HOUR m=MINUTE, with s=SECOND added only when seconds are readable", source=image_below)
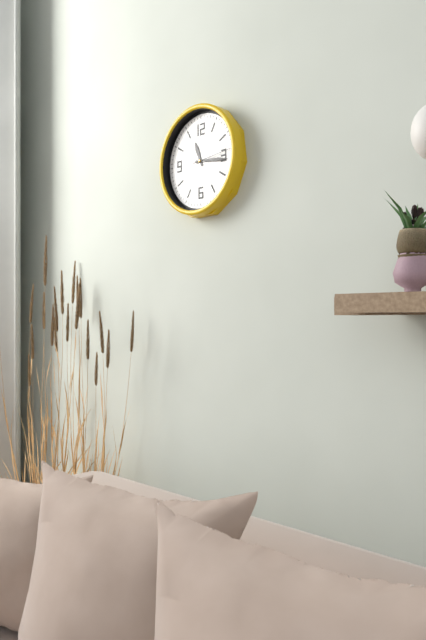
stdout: h=11 m=16
